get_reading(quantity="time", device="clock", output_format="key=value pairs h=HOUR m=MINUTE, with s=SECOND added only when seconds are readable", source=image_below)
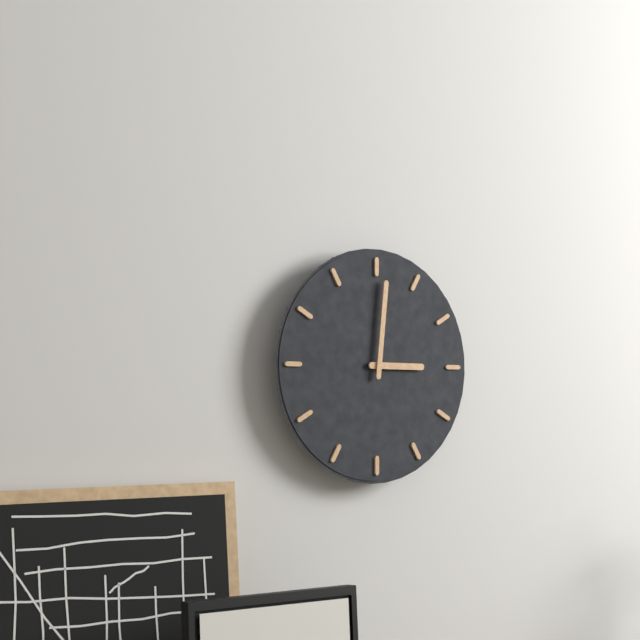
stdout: h=3 m=1
